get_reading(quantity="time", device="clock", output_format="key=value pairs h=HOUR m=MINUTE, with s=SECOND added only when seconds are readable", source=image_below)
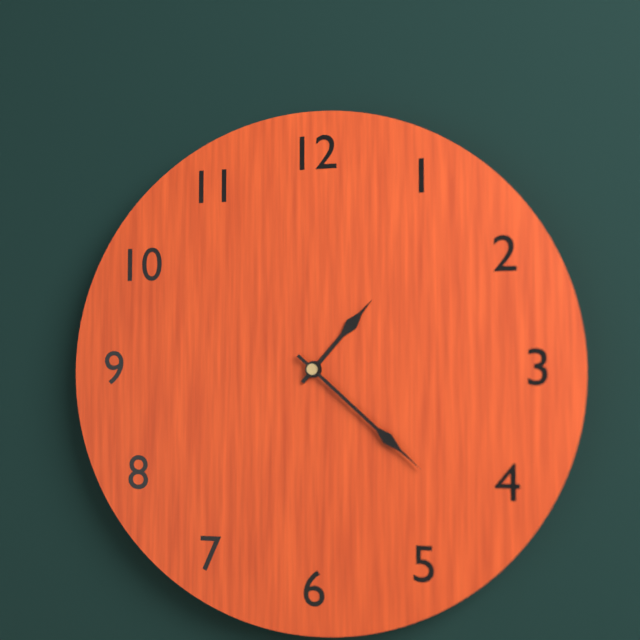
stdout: h=1 m=22
